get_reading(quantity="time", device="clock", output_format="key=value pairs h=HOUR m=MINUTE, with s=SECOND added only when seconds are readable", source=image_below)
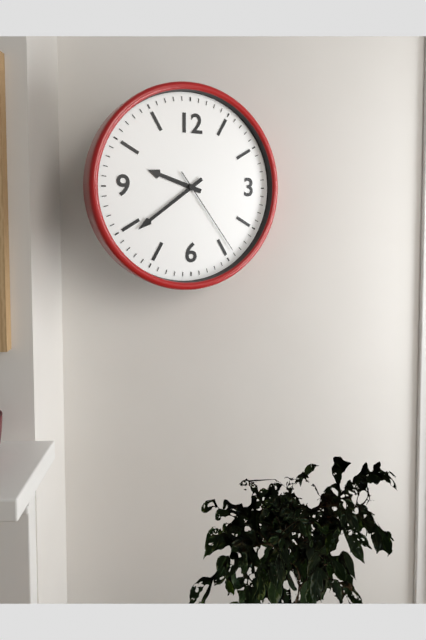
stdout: h=9 m=39 s=24
